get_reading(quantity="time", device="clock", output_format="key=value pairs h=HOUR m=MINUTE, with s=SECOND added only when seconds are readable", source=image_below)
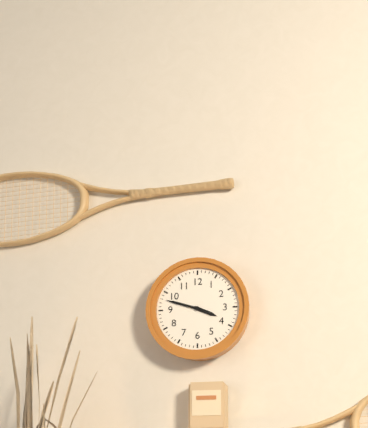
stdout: h=3 m=48
